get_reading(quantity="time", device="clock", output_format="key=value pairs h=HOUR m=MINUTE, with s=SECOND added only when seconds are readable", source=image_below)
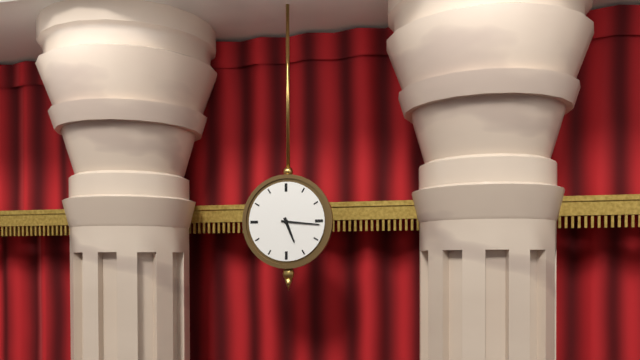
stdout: h=5 m=16
